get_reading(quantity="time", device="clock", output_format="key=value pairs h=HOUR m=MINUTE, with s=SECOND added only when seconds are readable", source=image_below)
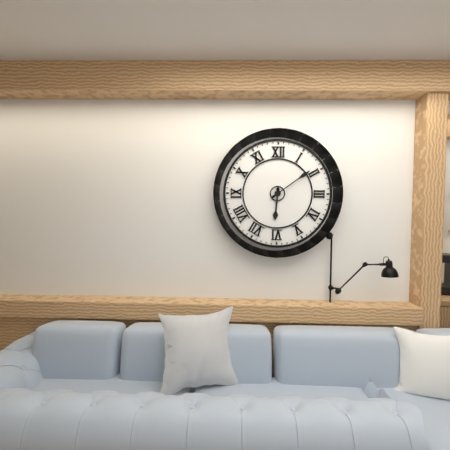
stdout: h=6 m=9
